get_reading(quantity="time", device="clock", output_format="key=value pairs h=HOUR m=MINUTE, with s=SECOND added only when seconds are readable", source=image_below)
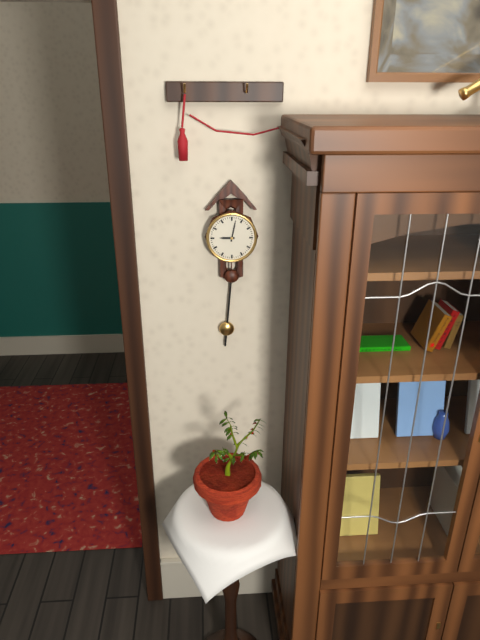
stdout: h=9 m=2
